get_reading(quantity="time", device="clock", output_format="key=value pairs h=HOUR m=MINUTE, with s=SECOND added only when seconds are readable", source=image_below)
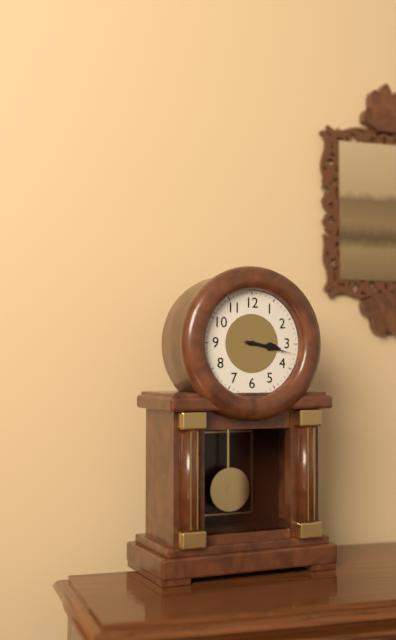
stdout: h=3 m=17
